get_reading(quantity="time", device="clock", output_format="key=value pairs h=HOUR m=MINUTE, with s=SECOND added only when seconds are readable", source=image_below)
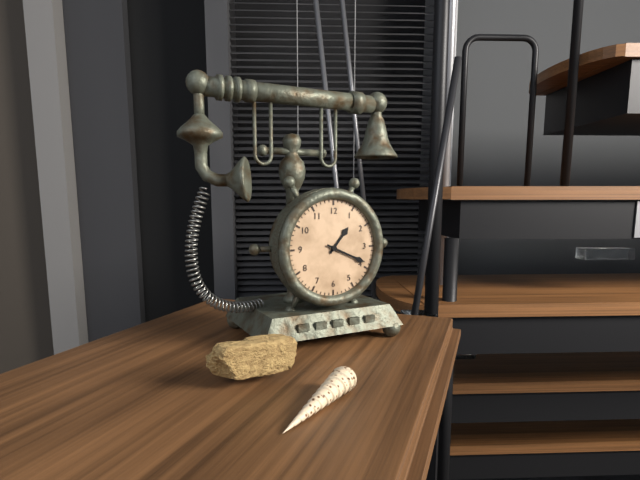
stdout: h=1 m=19
